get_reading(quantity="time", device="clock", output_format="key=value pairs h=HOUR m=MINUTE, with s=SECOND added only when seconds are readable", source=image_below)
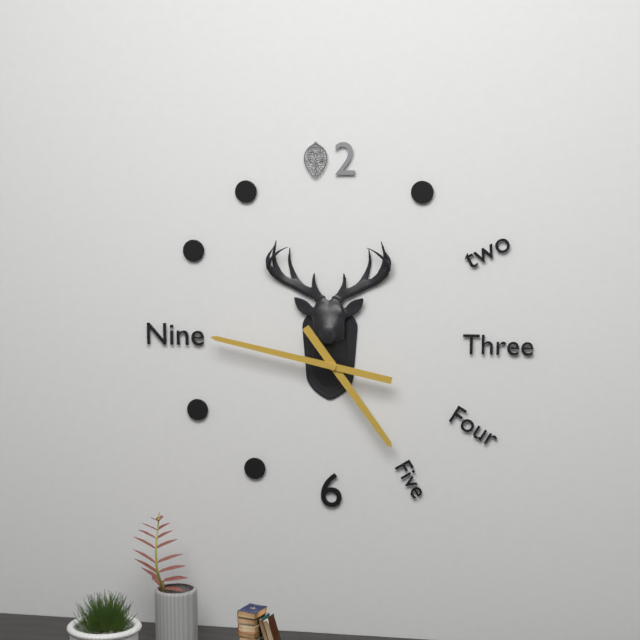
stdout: h=4 m=47
